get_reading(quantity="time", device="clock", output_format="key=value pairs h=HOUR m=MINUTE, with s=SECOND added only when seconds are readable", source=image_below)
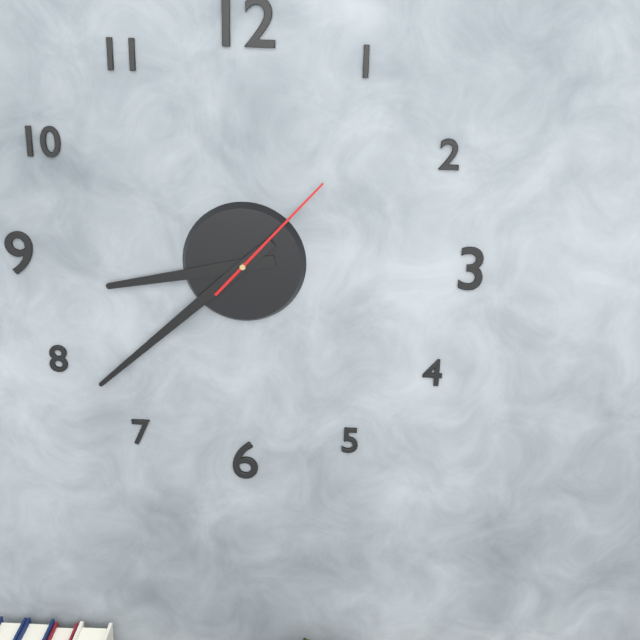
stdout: h=8 m=38 s=7
